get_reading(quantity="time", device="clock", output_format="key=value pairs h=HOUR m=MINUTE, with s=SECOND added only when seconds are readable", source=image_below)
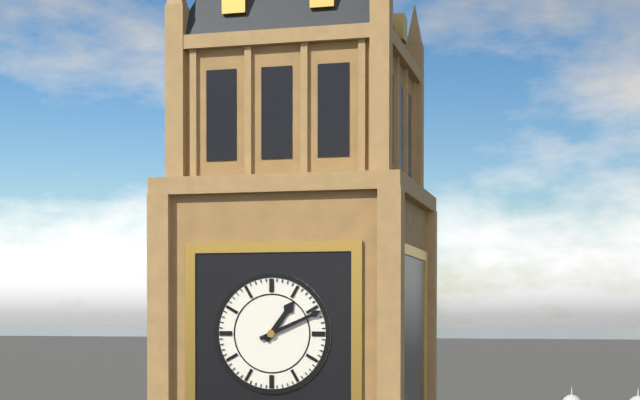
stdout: h=1 m=11
